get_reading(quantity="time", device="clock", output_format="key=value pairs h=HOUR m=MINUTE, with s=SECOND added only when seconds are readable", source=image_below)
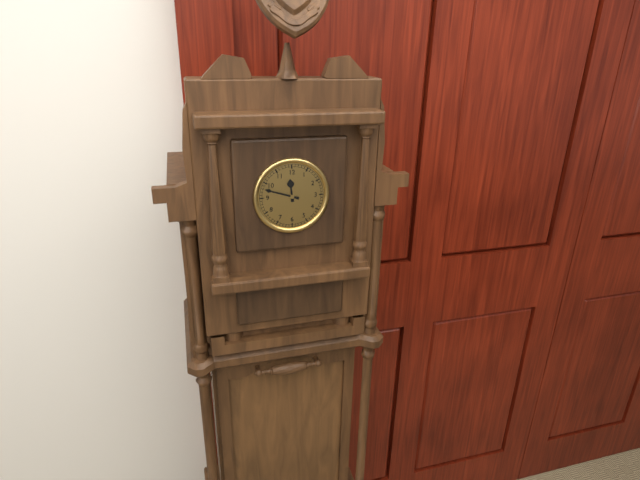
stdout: h=11 m=48
